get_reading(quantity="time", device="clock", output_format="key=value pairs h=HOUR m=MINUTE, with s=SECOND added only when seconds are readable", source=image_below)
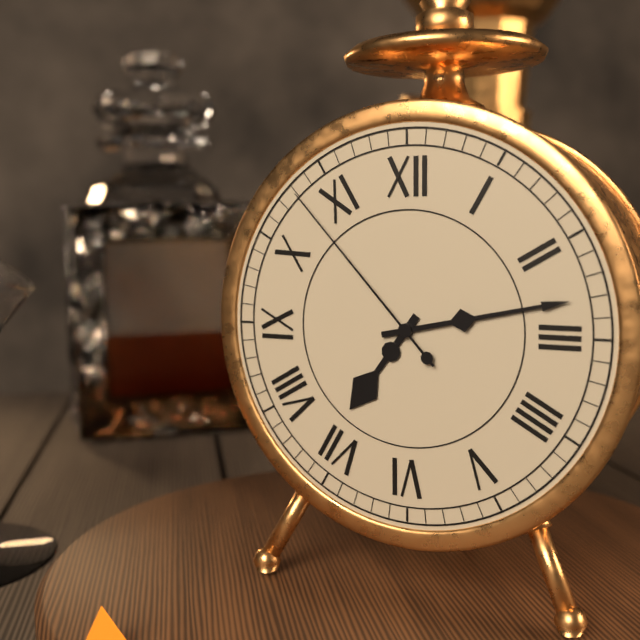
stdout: h=7 m=13 s=53
